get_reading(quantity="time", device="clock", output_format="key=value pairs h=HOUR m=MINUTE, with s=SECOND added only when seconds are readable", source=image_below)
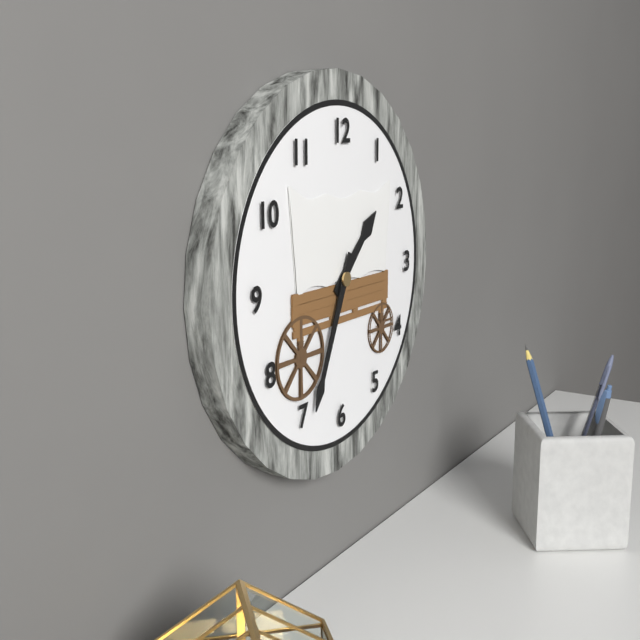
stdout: h=1 m=34
